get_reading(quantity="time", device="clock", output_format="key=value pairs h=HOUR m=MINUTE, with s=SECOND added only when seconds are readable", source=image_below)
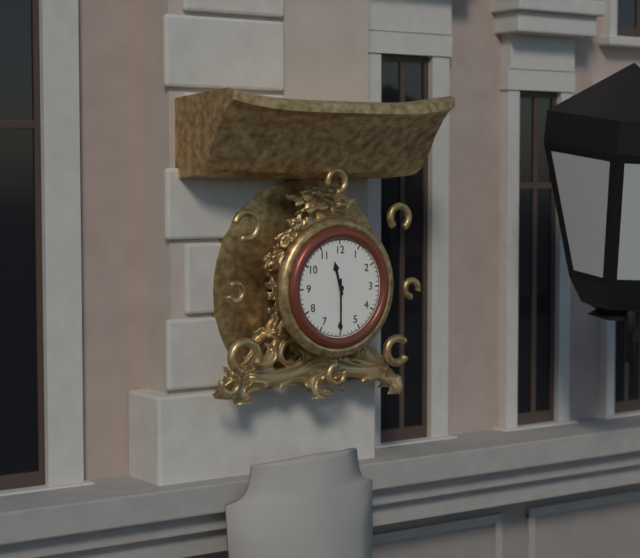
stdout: h=11 m=30
